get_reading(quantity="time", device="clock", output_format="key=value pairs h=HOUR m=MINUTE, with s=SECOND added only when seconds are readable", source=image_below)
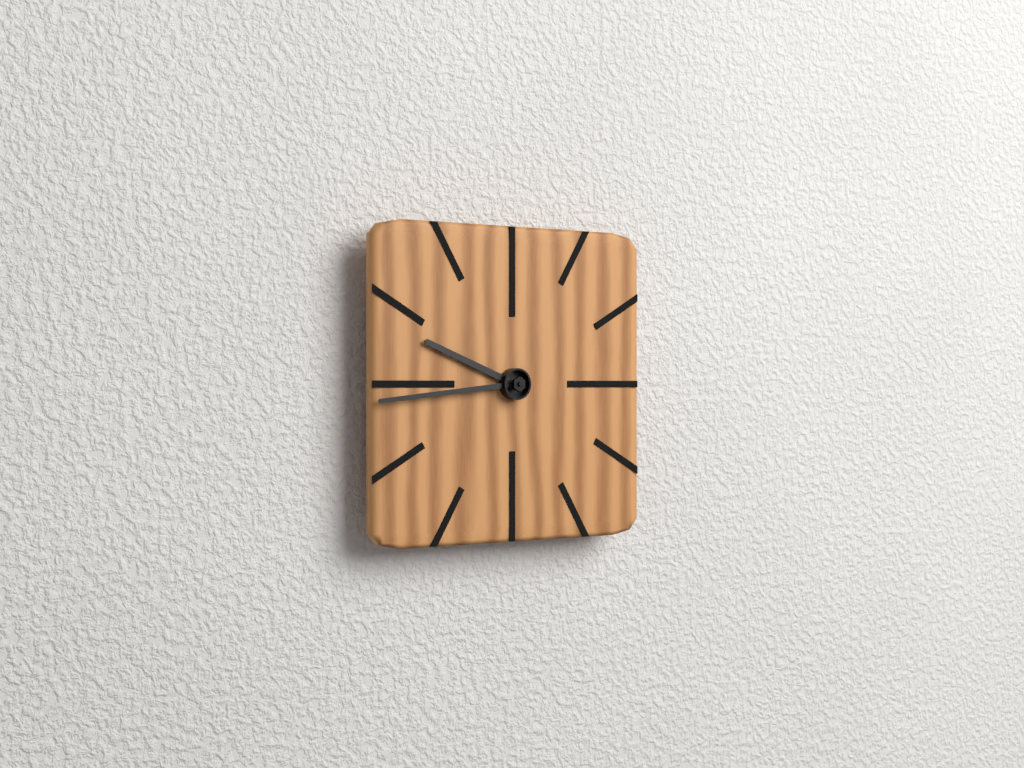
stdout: h=9 m=44
